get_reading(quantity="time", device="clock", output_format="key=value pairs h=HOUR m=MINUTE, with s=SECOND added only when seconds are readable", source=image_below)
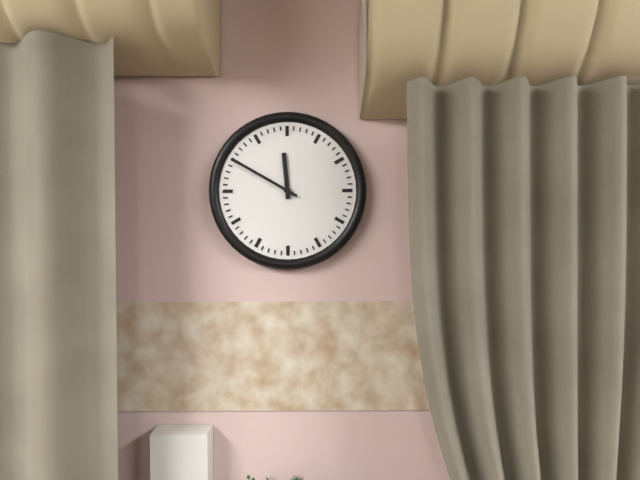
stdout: h=11 m=50
